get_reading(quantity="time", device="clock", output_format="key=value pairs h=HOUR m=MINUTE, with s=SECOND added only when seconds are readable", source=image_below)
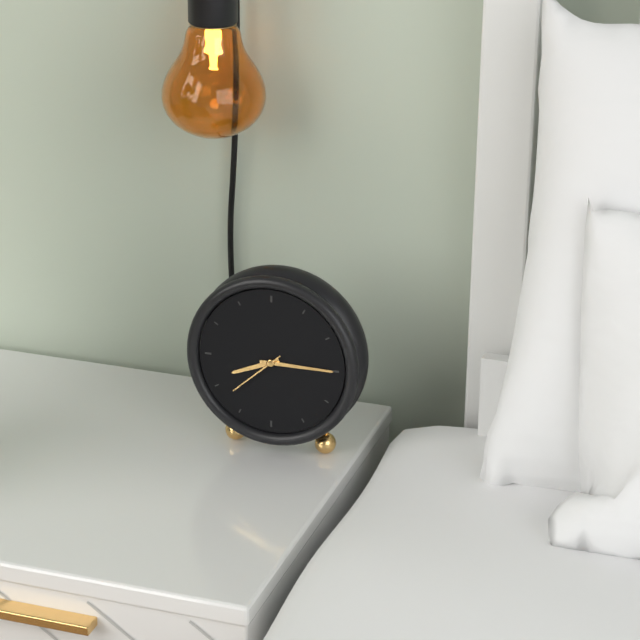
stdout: h=8 m=15 s=38
